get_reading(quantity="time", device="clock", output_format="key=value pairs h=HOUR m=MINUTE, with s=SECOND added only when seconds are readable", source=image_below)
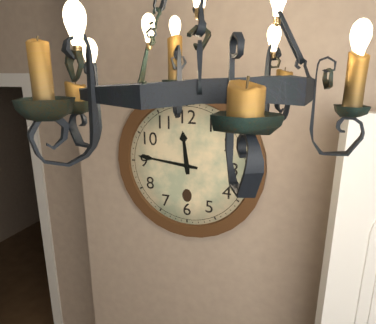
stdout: h=11 m=46
